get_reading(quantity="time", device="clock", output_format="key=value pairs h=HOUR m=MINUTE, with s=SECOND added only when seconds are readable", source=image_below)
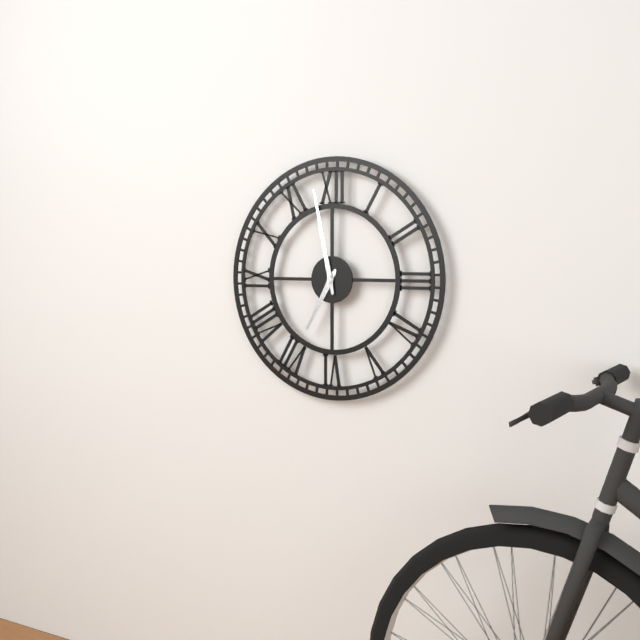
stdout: h=6 m=58
